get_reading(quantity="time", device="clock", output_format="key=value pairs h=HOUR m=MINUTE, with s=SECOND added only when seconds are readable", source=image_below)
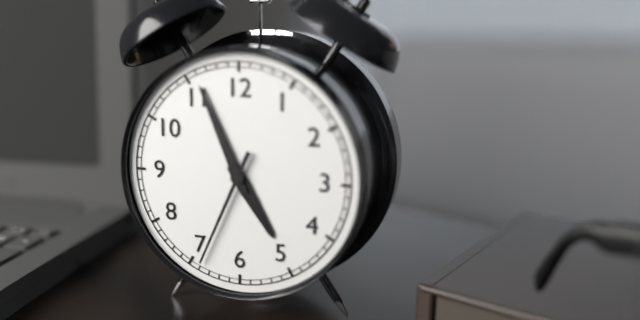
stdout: h=4 m=56 s=34
